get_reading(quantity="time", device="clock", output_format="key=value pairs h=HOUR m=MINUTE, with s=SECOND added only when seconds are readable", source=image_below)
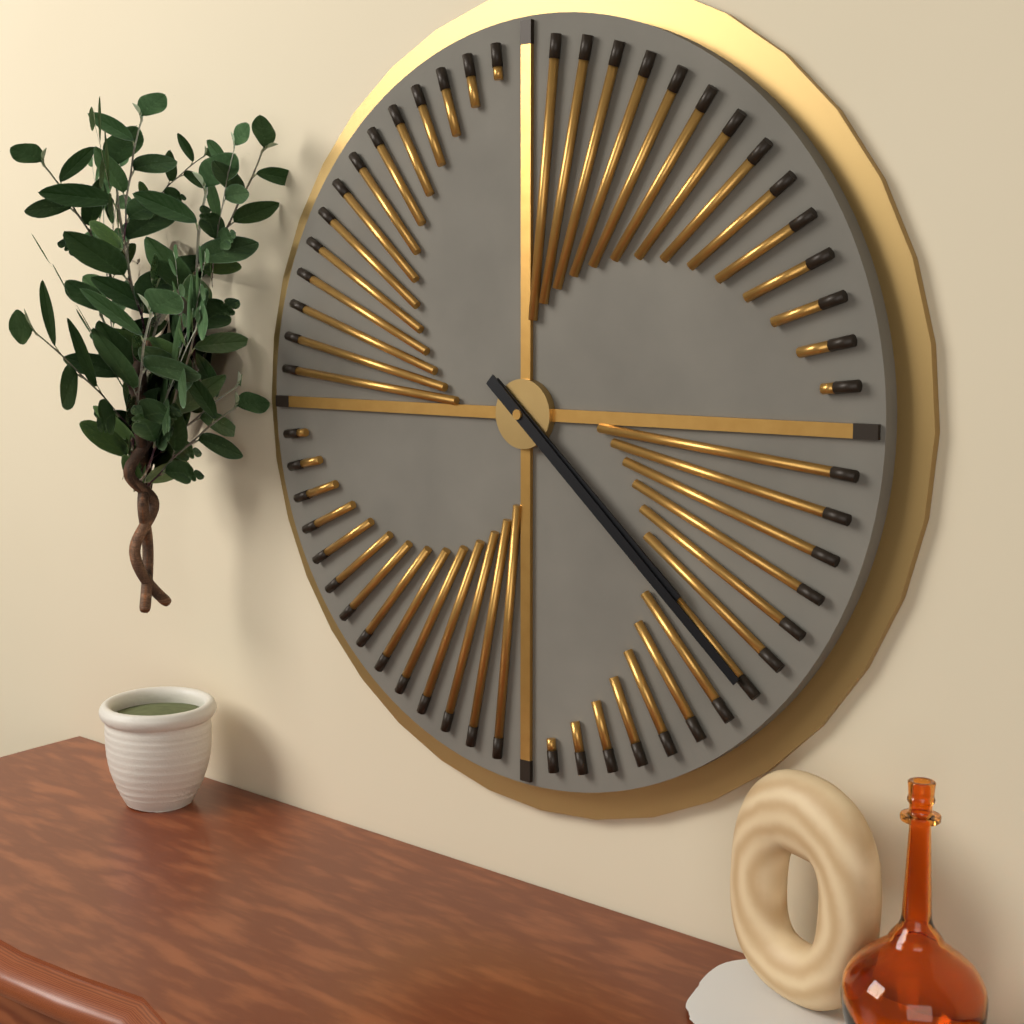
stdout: h=4 m=22
